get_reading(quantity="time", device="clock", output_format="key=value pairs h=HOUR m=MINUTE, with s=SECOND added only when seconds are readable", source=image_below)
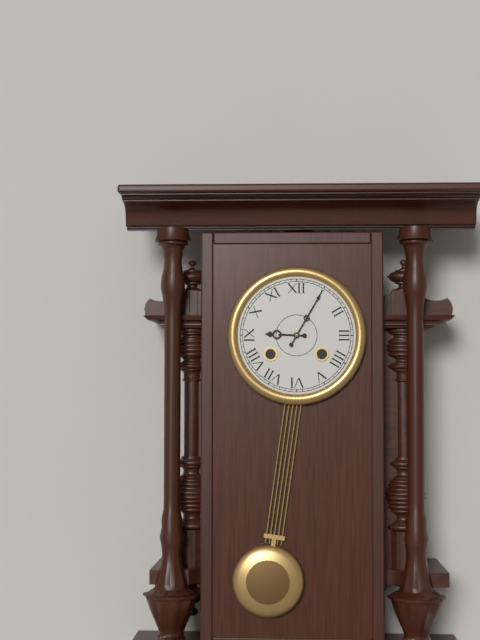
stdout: h=9 m=5
